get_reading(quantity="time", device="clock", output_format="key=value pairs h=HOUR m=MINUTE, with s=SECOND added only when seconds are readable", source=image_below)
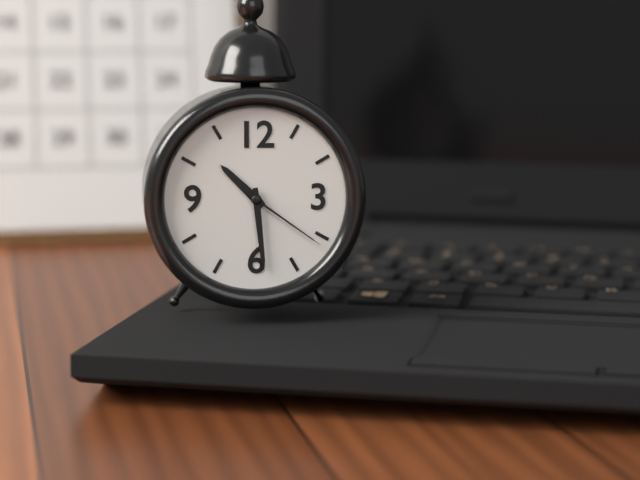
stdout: h=10 m=29 s=21
